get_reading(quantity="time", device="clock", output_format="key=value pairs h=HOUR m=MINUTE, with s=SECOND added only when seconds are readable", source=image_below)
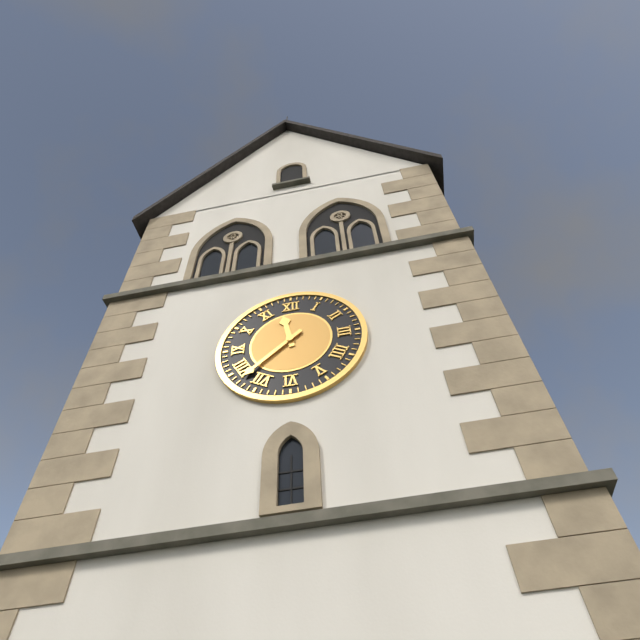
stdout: h=11 m=38
